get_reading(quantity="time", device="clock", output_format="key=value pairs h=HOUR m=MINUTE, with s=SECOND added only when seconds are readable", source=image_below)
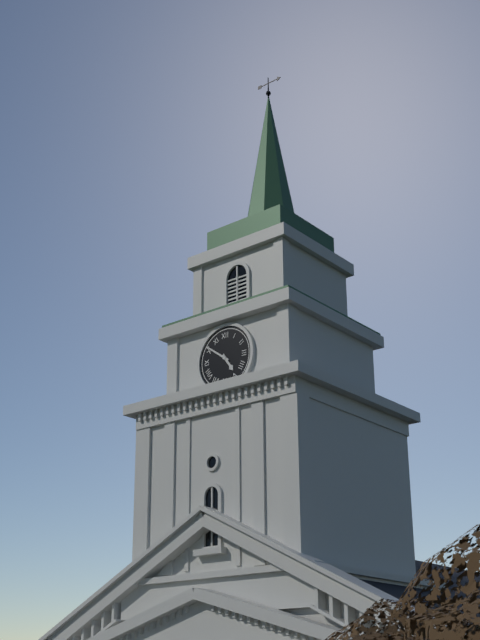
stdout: h=4 m=51
